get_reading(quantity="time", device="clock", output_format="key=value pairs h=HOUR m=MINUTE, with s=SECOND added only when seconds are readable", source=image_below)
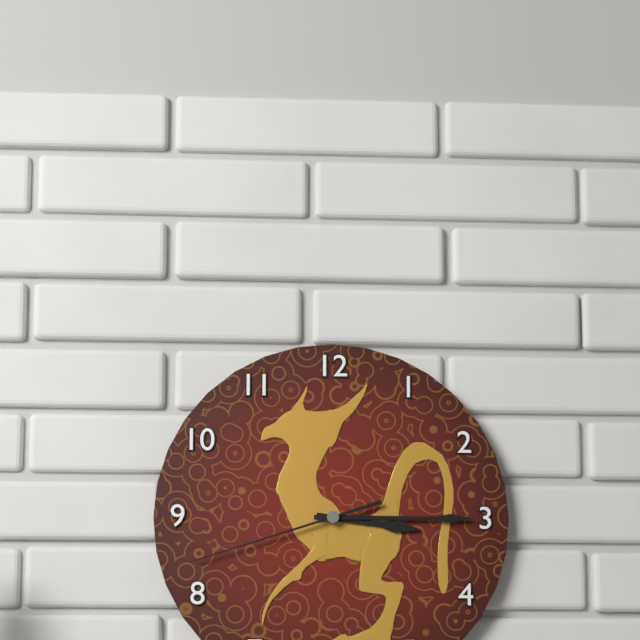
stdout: h=3 m=15 s=42
